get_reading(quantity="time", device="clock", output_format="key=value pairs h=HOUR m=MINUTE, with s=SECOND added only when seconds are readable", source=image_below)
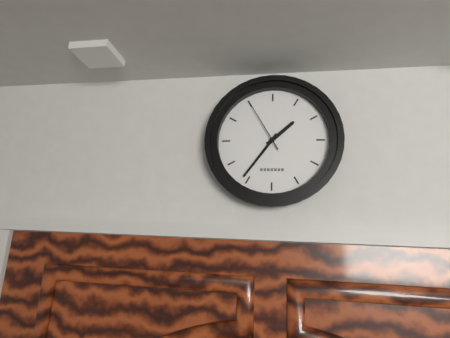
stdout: h=1 m=36 s=55
